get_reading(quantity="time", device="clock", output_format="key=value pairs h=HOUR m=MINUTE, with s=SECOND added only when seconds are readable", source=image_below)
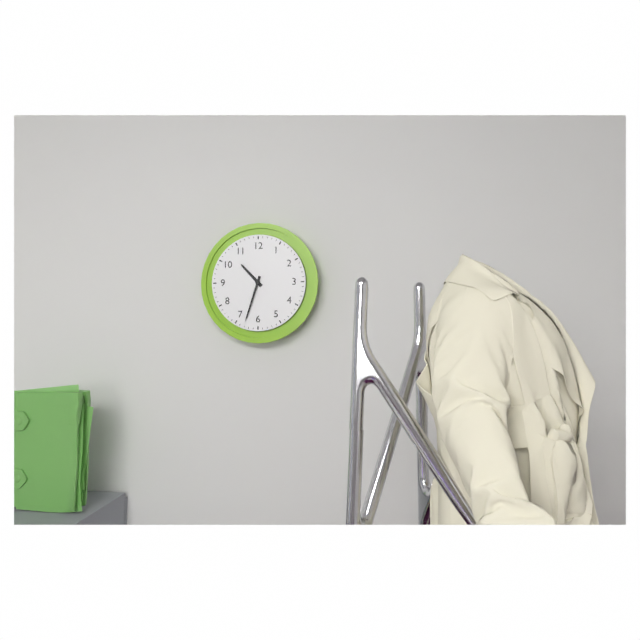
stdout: h=10 m=33
